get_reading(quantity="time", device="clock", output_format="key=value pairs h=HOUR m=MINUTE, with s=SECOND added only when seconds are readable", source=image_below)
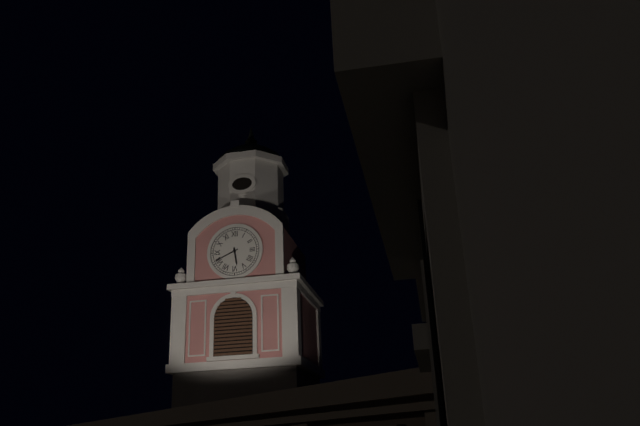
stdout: h=5 m=41
